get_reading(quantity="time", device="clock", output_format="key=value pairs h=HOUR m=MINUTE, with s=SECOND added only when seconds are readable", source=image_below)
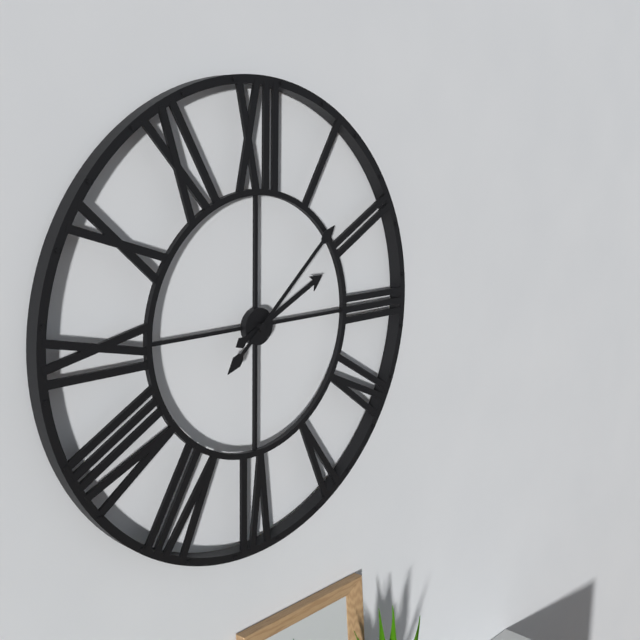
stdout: h=2 m=8
